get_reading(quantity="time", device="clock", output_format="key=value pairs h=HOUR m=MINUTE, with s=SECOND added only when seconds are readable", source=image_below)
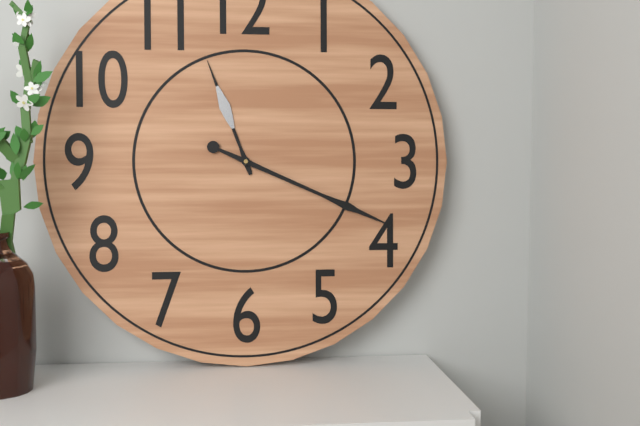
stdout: h=11 m=19
